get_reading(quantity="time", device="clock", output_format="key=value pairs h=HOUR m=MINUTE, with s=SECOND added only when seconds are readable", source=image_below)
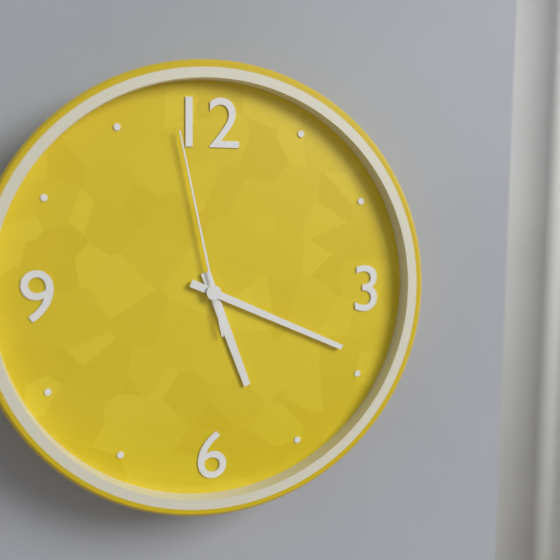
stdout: h=5 m=19 s=58
